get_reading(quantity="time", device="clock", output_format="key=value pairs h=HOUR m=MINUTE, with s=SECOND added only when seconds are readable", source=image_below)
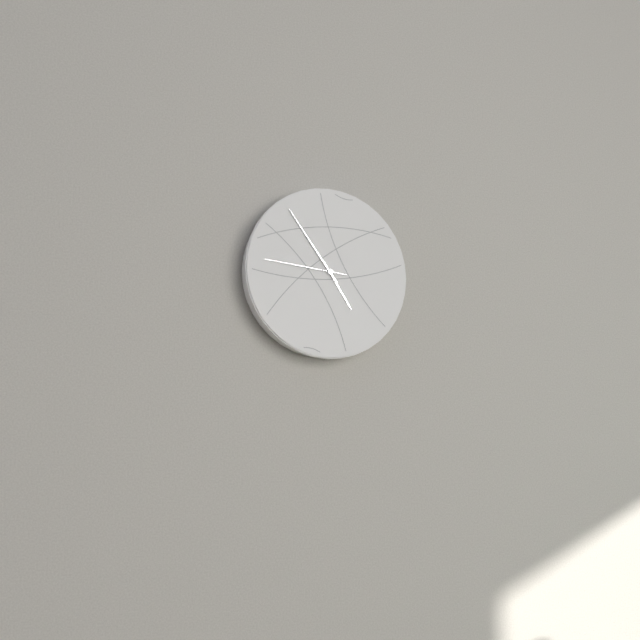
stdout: h=4 m=54 s=46
